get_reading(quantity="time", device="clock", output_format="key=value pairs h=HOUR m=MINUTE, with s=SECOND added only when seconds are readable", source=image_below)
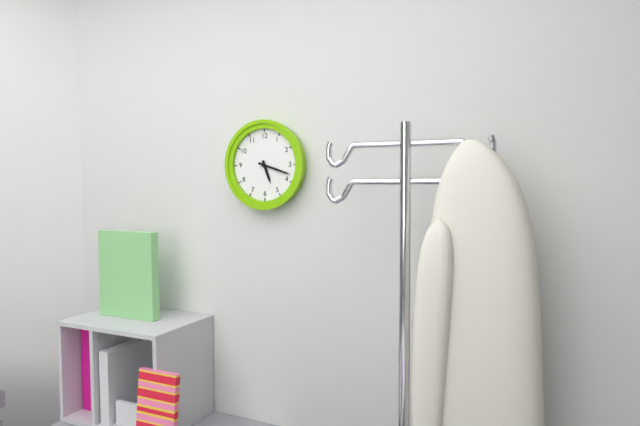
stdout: h=5 m=18
